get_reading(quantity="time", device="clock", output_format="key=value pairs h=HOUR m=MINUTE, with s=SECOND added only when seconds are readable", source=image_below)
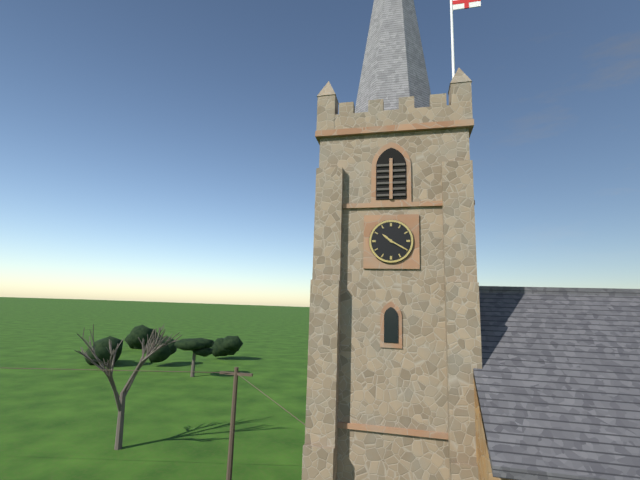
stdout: h=10 m=20
